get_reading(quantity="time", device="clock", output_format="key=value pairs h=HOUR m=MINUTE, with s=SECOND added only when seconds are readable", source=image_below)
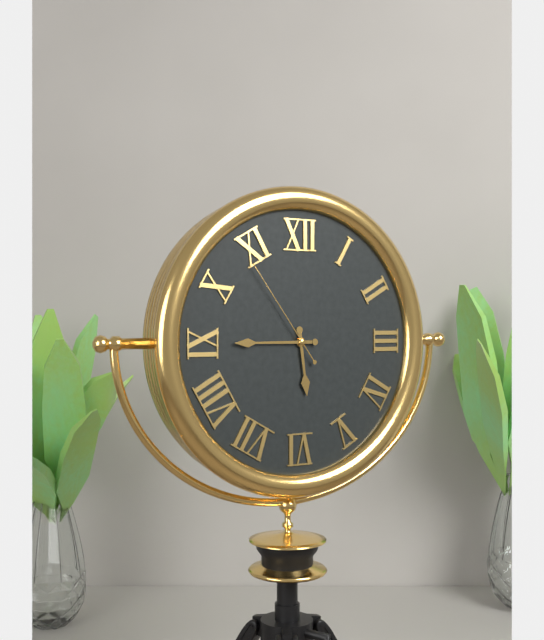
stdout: h=5 m=45 s=54
